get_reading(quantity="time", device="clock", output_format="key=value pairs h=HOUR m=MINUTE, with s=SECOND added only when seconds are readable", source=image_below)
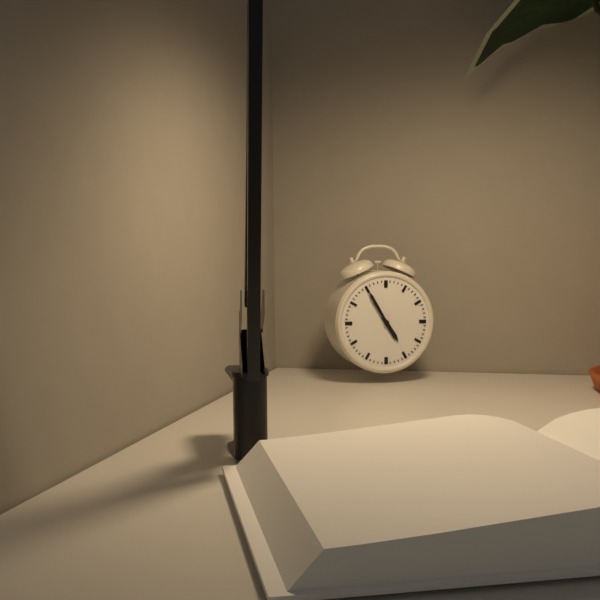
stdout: h=4 m=55
